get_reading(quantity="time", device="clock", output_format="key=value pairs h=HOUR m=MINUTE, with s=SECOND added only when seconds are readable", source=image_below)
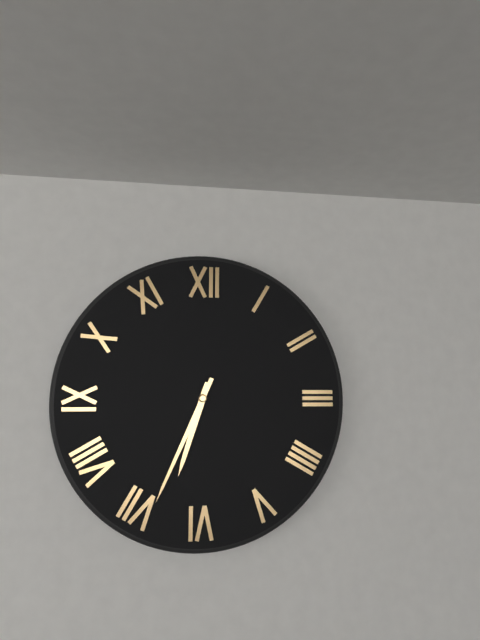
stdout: h=6 m=34
